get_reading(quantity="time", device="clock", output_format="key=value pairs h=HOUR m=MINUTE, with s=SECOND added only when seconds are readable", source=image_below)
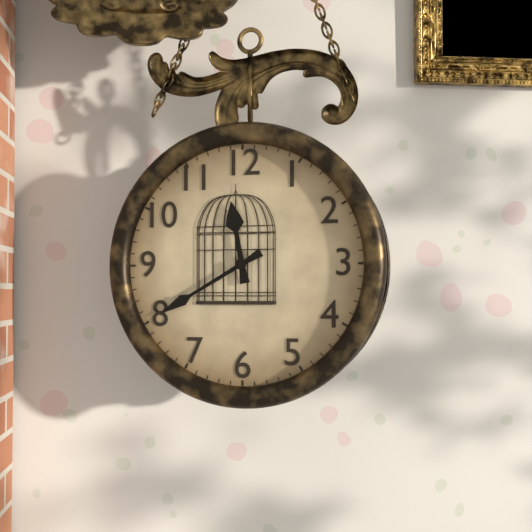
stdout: h=11 m=40
